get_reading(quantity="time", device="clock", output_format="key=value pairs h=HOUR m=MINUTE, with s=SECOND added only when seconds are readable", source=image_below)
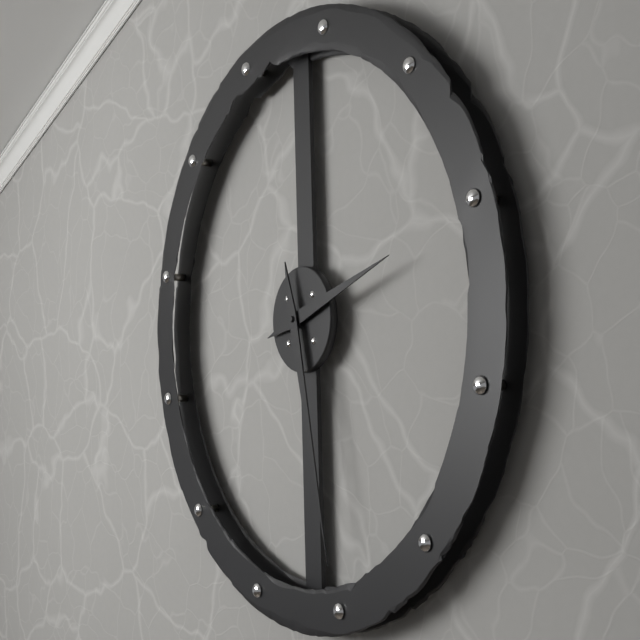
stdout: h=2 m=28
